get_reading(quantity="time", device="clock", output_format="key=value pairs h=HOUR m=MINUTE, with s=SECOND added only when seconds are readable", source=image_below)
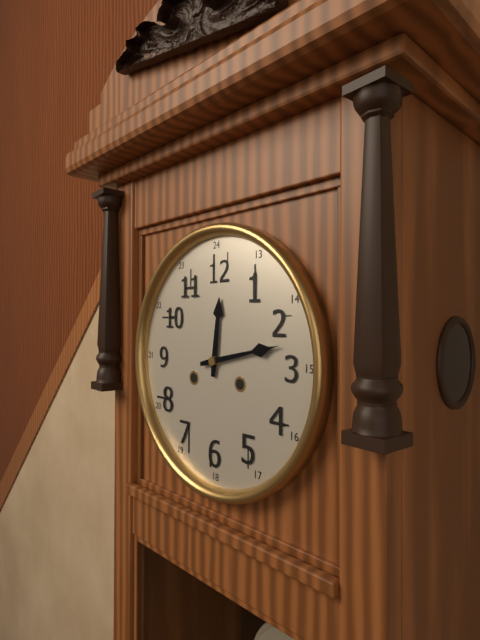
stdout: h=12 m=13
